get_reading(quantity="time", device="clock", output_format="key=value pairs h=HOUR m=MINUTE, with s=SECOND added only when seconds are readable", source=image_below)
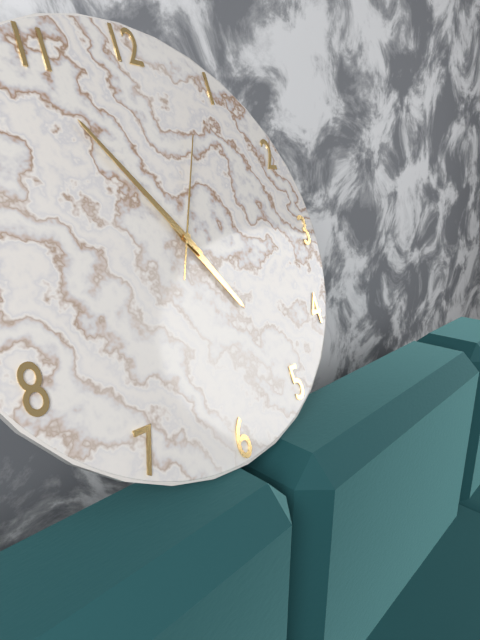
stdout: h=4 m=54 s=4
